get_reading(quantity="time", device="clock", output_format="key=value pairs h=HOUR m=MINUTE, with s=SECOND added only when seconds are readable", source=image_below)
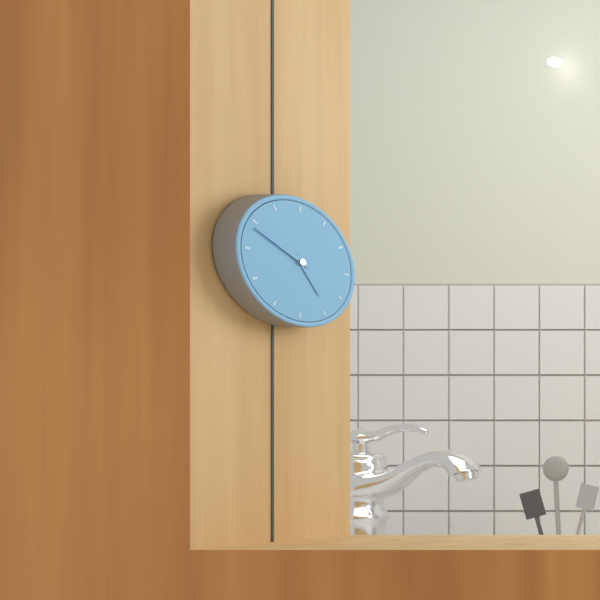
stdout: h=4 m=49
